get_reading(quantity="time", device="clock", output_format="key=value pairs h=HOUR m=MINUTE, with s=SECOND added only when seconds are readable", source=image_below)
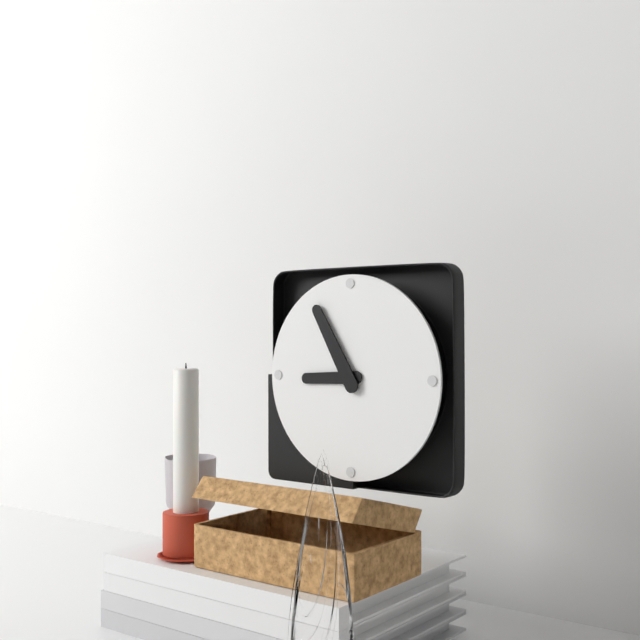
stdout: h=8 m=55
